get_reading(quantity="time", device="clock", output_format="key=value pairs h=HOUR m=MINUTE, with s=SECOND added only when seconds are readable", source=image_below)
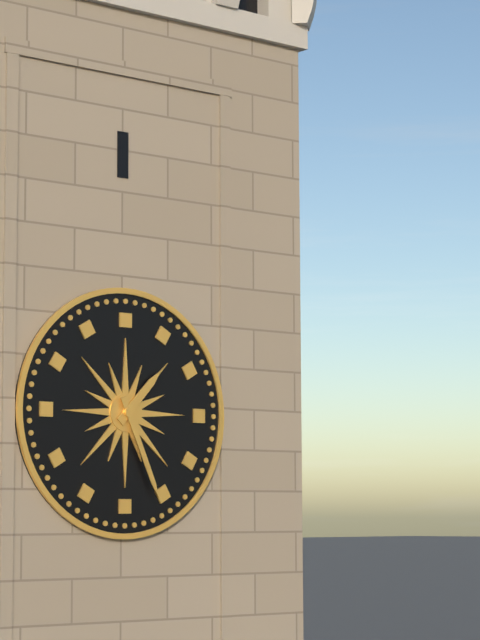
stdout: h=1 m=26
